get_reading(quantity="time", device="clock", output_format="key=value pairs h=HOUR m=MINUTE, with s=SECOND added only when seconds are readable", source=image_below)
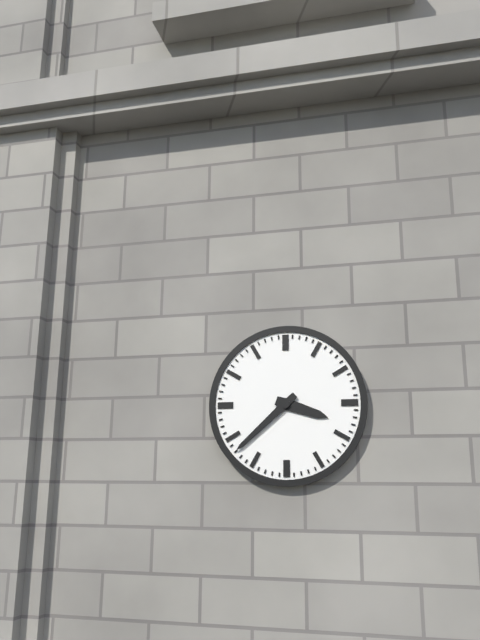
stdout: h=3 m=38
